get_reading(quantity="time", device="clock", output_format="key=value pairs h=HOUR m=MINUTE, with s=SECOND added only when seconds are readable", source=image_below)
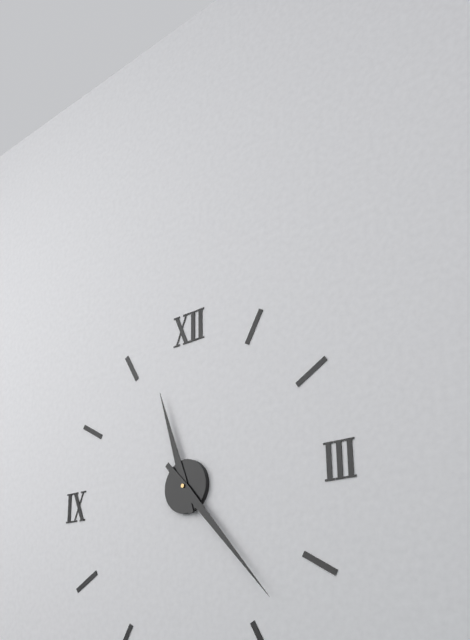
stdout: h=11 m=23
